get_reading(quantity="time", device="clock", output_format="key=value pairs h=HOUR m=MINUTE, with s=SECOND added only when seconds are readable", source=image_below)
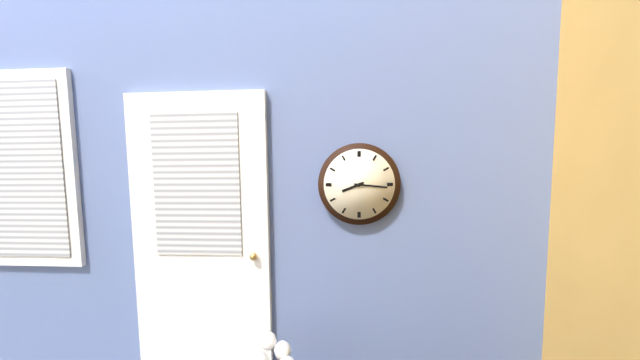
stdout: h=8 m=16
